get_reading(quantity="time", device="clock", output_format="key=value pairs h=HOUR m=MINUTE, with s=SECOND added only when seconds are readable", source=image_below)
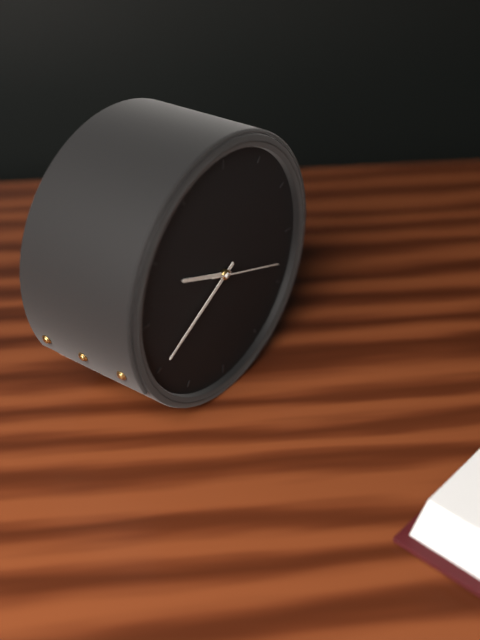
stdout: h=9 m=40 s=18
